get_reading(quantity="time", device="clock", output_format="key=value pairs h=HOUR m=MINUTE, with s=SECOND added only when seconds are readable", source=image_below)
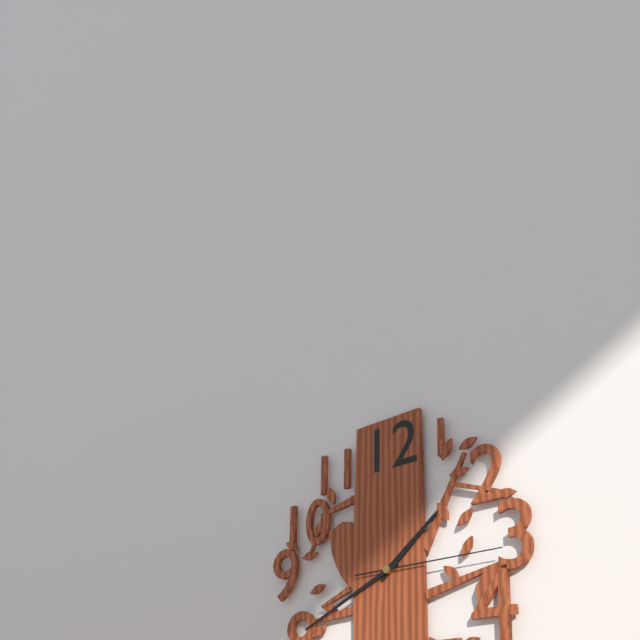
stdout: h=1 m=41 s=15
